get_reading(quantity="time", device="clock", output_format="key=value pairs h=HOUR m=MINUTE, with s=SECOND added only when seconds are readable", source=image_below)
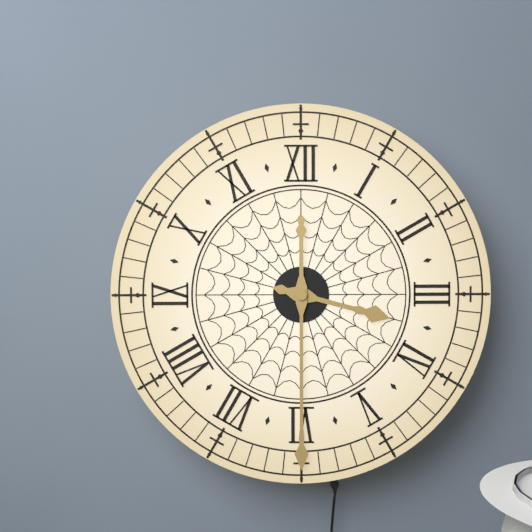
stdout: h=3 m=30
